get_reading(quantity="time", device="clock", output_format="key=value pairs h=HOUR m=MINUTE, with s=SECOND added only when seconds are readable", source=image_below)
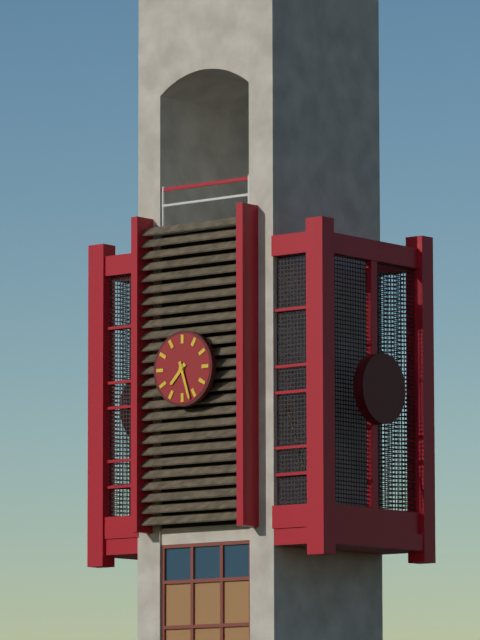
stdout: h=7 m=27
